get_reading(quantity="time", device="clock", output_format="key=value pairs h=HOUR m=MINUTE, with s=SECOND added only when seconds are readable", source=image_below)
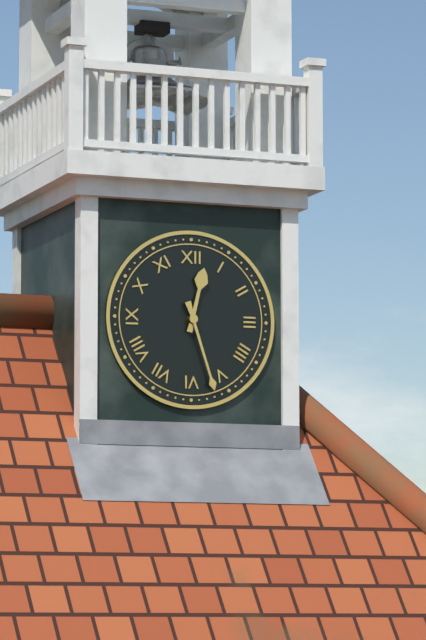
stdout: h=12 m=27
